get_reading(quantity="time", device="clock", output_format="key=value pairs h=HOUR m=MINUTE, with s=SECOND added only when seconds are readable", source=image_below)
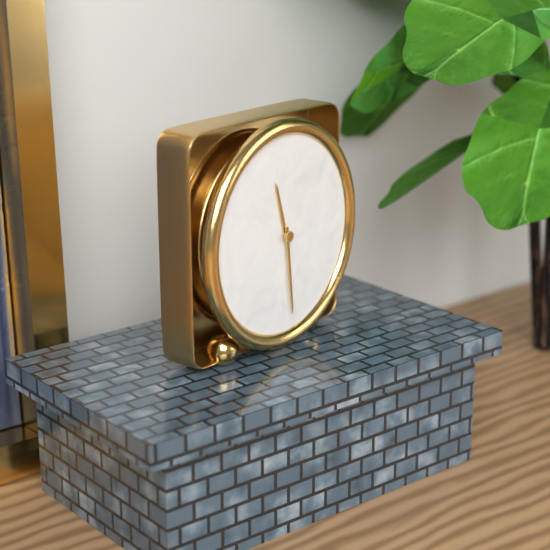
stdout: h=11 m=29
